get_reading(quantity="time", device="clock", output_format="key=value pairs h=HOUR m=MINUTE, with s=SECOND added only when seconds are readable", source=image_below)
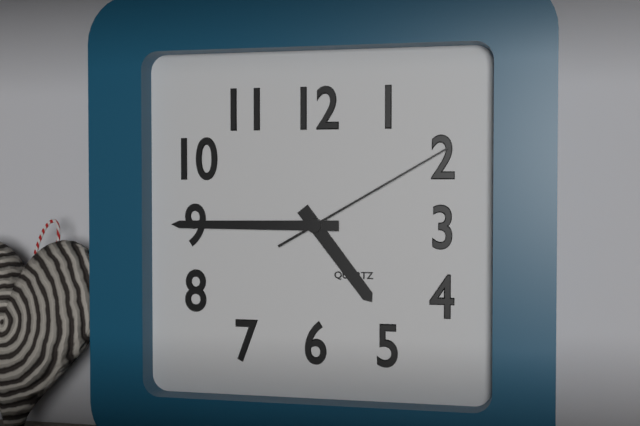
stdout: h=4 m=45 s=10
